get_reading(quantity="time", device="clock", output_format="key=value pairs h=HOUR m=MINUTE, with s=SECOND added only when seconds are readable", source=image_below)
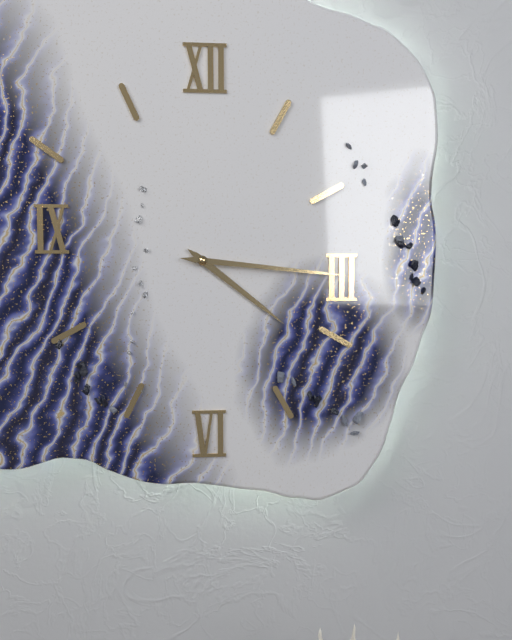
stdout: h=4 m=16
